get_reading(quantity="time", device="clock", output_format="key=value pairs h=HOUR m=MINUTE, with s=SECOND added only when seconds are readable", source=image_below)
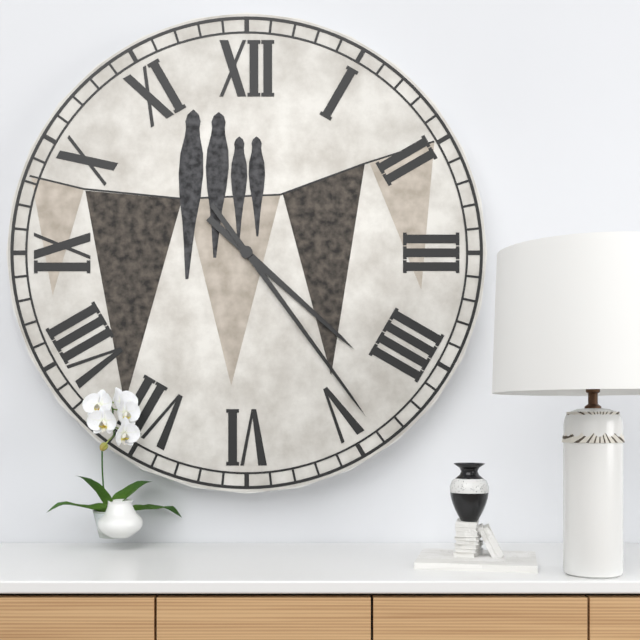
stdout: h=4 m=24
